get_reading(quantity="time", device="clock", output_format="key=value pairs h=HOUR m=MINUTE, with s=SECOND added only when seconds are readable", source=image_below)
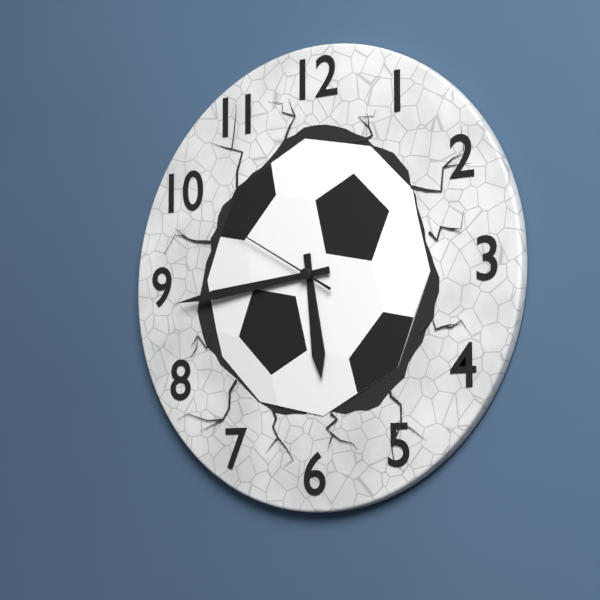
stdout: h=5 m=44 s=50
